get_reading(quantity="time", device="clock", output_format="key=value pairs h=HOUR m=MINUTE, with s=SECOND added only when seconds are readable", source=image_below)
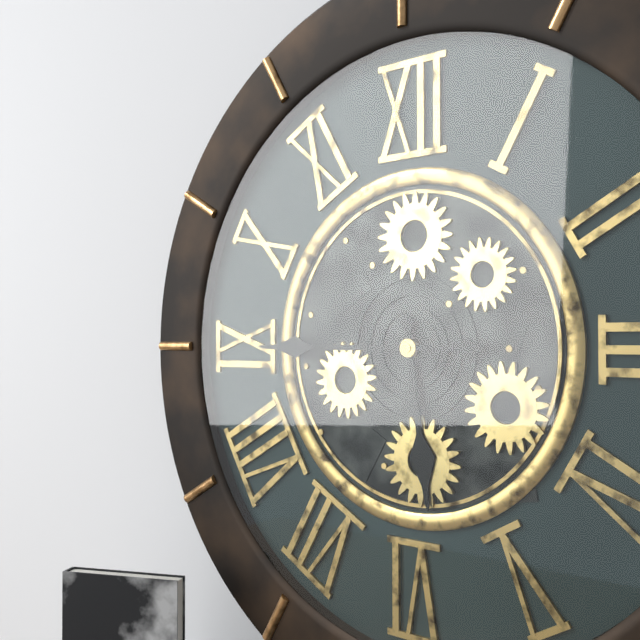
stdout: h=5 m=45
